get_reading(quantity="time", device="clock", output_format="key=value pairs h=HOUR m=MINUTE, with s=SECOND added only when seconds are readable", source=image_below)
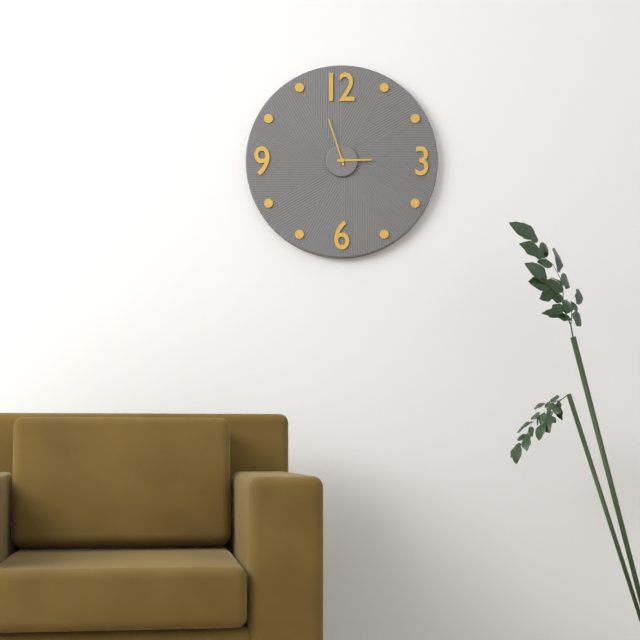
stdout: h=2 m=57
